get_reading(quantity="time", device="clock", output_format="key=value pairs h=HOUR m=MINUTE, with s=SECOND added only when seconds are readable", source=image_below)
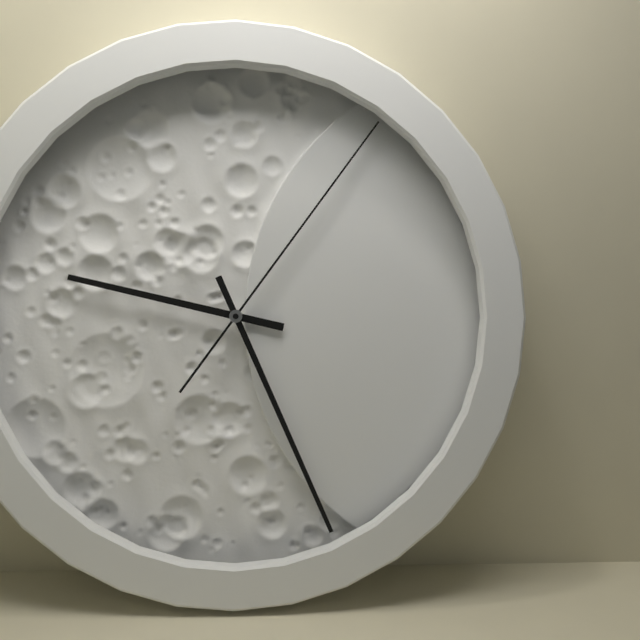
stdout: h=9 m=26 s=6
